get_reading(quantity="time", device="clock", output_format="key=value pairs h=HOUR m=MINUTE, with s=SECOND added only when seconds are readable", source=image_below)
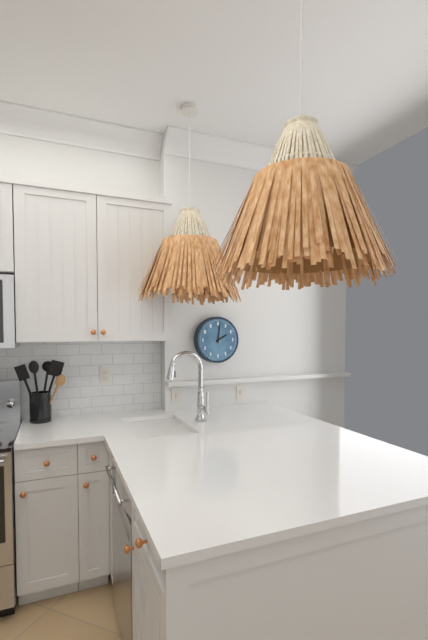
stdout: h=2 m=1
